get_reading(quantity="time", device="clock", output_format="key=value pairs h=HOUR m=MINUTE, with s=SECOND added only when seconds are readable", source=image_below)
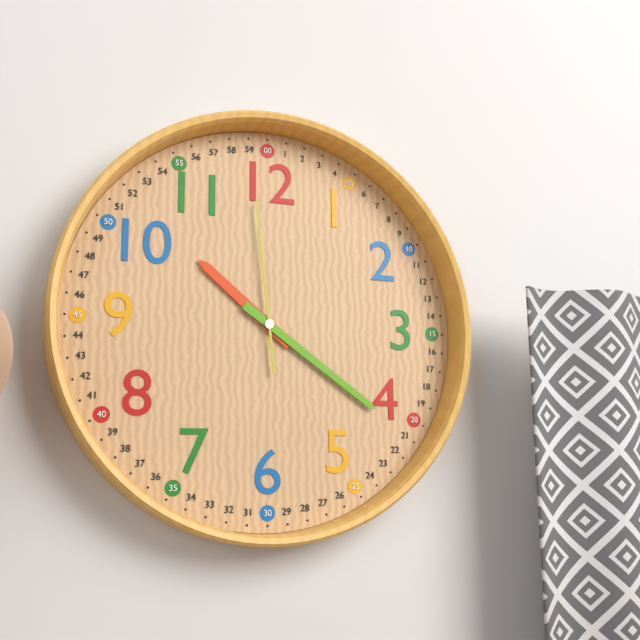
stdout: h=10 m=21 s=59
